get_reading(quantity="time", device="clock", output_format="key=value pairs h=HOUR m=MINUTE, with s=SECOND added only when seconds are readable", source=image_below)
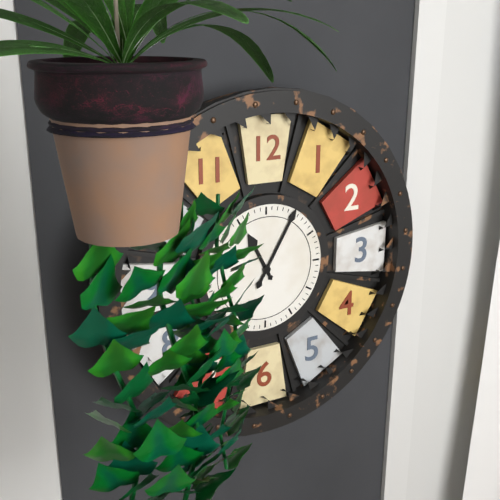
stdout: h=11 m=5
